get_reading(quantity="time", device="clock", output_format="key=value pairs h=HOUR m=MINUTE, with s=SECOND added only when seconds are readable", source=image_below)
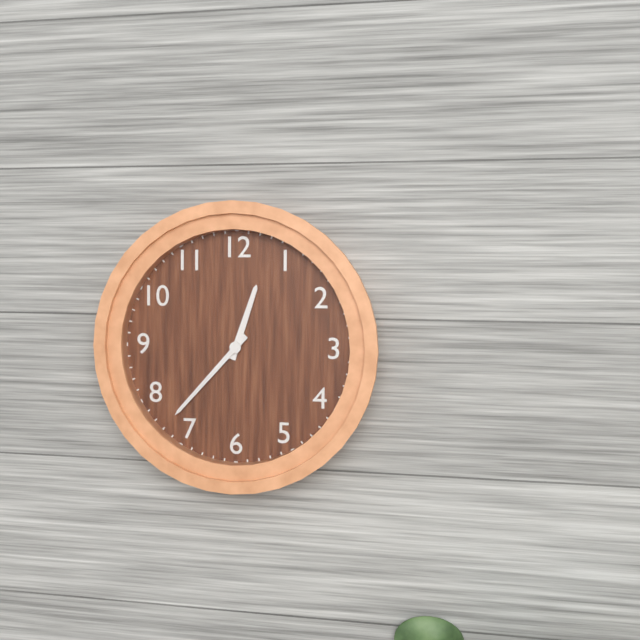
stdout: h=12 m=37
